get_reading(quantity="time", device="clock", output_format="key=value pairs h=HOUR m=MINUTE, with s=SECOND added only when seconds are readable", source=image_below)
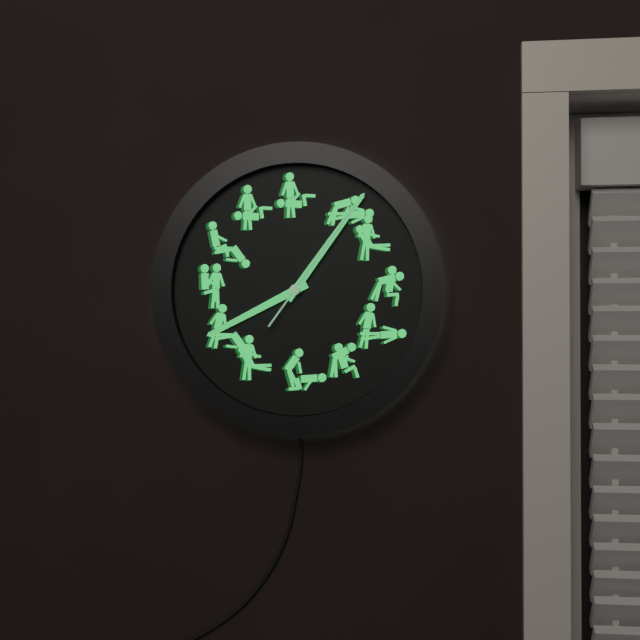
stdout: h=8 m=6 s=6
